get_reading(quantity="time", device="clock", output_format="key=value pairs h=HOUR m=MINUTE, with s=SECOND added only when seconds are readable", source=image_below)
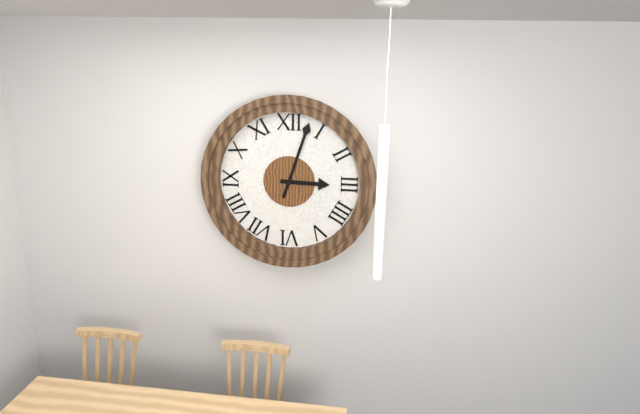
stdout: h=3 m=3
